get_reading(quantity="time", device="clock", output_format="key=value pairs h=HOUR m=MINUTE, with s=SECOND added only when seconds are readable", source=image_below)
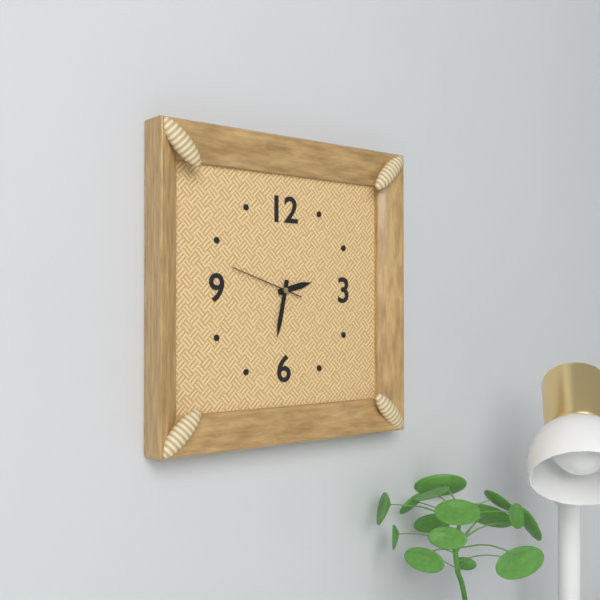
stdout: h=2 m=32 s=48
